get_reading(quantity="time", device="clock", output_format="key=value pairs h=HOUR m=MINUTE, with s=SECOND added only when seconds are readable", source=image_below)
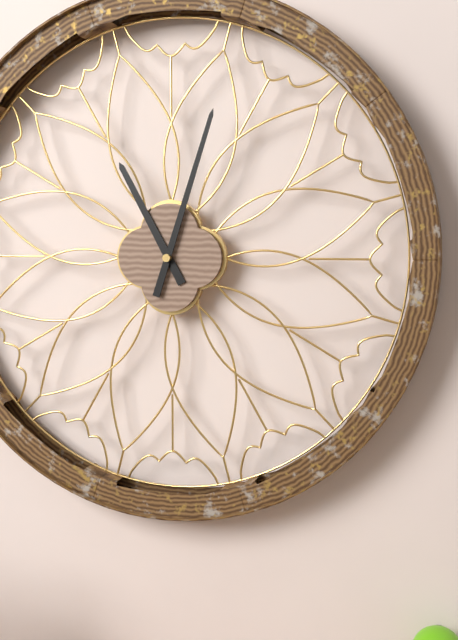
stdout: h=11 m=3
